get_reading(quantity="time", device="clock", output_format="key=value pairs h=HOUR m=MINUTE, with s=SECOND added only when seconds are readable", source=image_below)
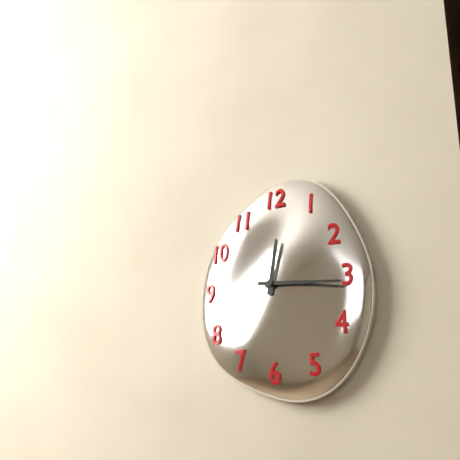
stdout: h=12 m=16
